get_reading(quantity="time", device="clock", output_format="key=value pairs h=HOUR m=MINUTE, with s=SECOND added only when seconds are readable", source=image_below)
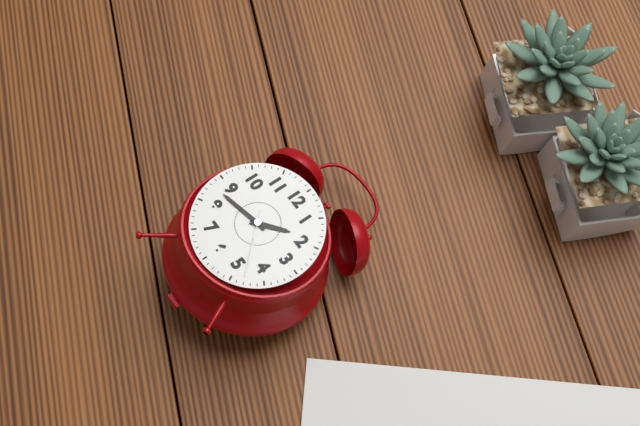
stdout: h=1 m=43 s=23
